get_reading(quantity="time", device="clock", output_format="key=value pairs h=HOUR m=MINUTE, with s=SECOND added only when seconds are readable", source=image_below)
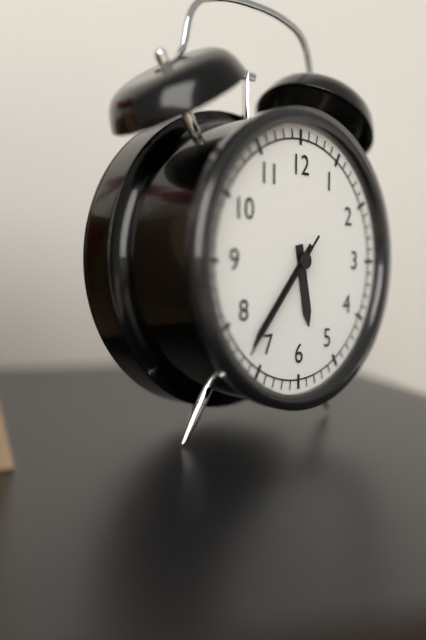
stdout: h=5 m=37 s=37
